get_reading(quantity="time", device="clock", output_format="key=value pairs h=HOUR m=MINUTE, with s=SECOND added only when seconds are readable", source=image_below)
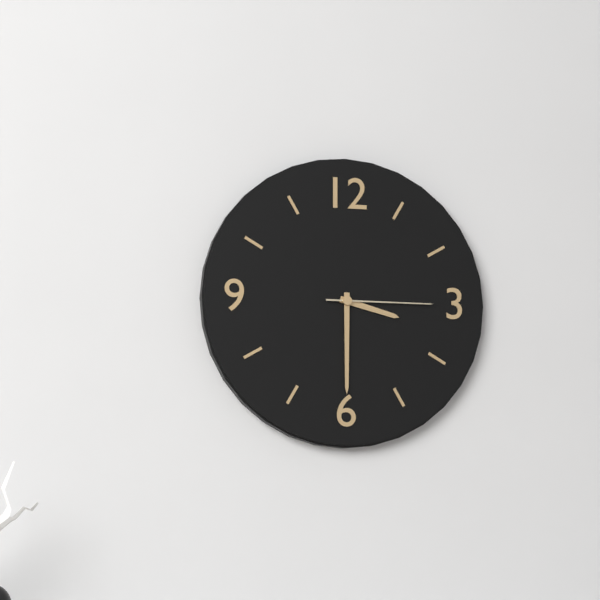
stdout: h=3 m=30 s=15
